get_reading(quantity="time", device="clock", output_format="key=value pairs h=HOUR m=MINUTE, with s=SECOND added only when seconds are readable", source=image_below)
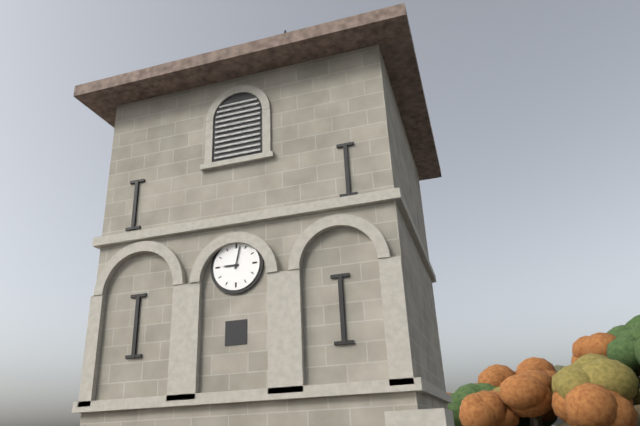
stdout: h=9 m=2
